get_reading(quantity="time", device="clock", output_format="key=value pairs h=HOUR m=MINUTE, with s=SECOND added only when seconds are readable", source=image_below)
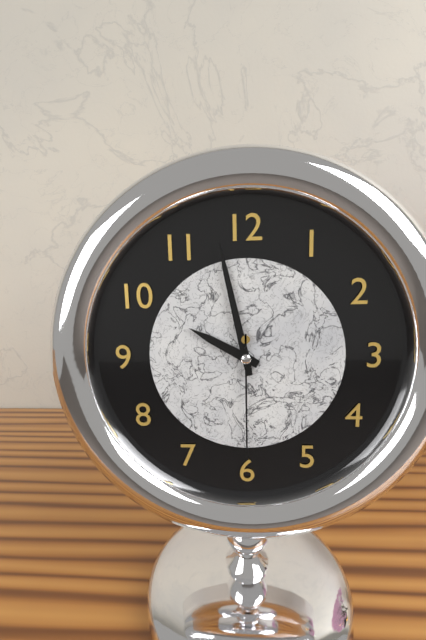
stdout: h=9 m=58 s=30
